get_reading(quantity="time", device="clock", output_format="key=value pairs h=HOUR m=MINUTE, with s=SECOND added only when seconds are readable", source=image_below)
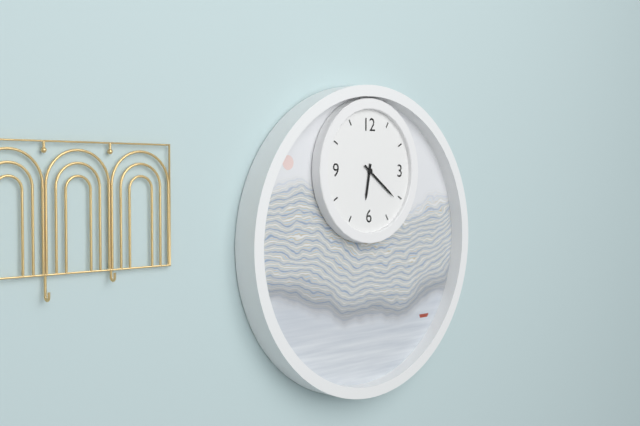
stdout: h=6 m=21
